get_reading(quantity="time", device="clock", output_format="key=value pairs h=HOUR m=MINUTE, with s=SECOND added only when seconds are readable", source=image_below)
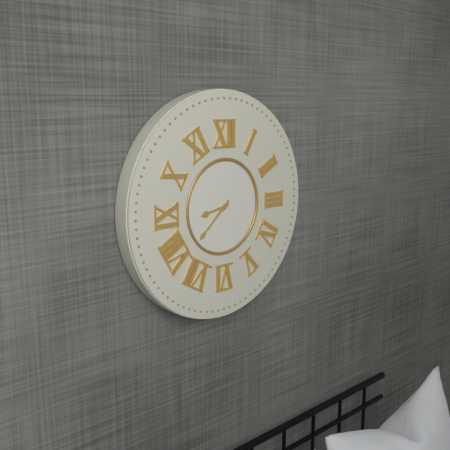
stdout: h=8 m=38
